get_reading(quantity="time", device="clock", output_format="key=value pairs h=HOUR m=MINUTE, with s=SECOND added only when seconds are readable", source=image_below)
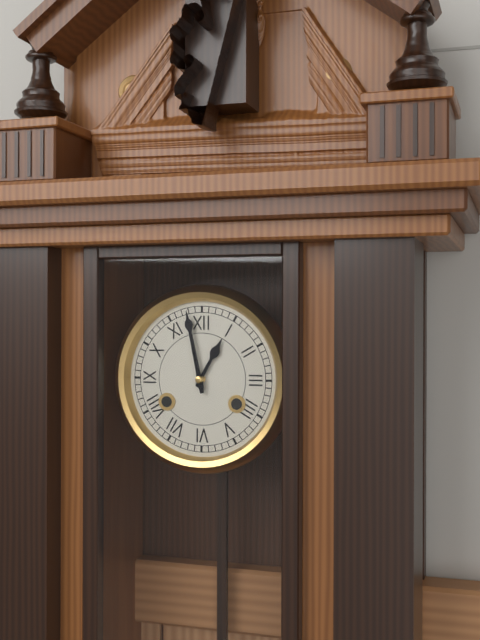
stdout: h=12 m=58
